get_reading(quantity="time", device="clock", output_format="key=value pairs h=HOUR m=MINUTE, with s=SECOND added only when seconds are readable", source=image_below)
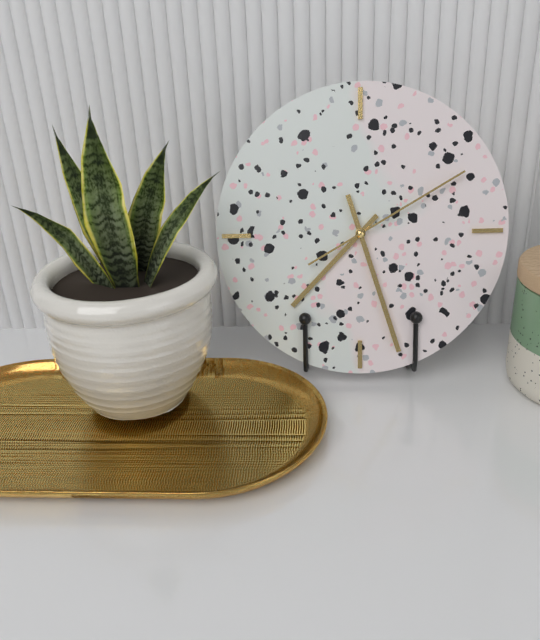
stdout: h=7 m=27 s=10
